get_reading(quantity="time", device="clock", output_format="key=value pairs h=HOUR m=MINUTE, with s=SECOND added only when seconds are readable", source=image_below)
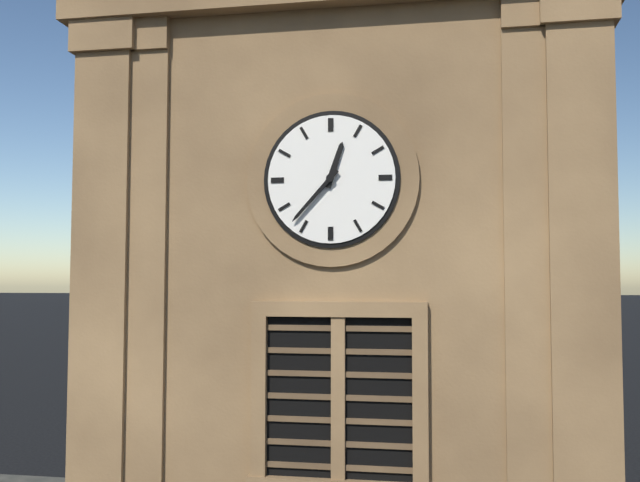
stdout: h=12 m=37
